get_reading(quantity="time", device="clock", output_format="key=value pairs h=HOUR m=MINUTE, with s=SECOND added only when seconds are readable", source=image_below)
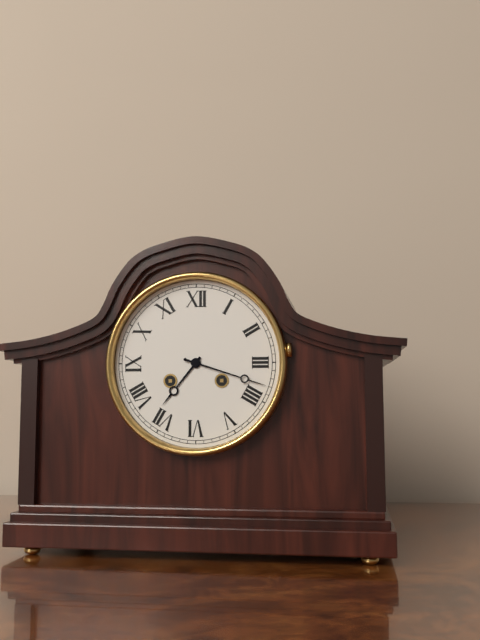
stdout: h=7 m=18
